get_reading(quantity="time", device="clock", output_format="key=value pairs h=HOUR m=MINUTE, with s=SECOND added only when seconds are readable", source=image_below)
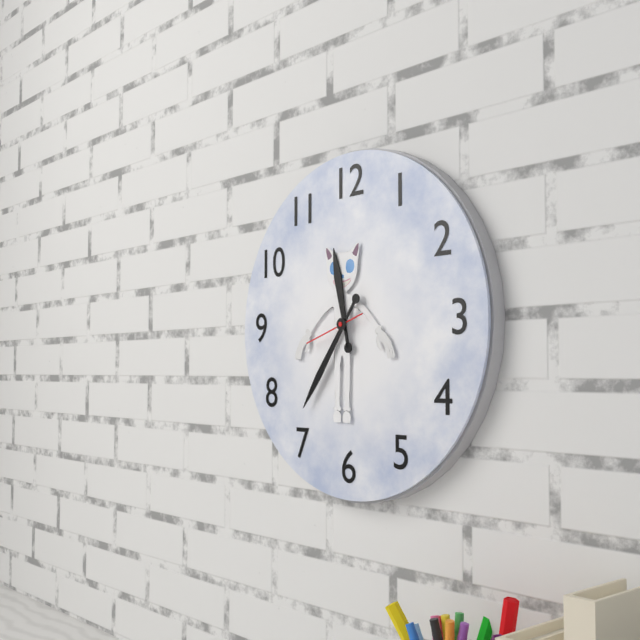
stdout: h=11 m=36 s=42
